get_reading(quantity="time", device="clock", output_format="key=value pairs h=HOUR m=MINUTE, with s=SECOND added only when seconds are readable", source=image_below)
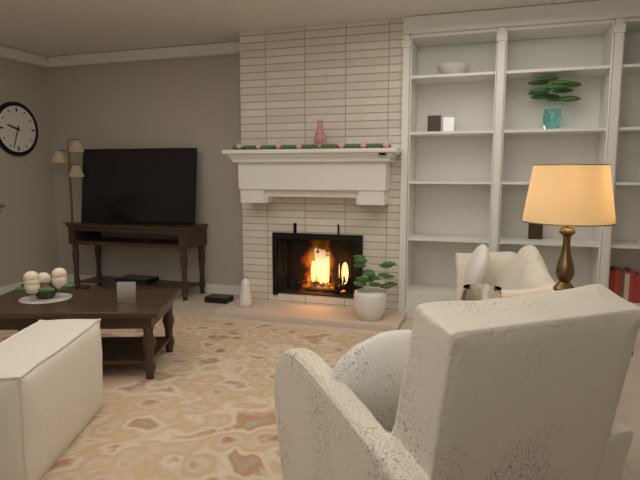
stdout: h=9 m=33
